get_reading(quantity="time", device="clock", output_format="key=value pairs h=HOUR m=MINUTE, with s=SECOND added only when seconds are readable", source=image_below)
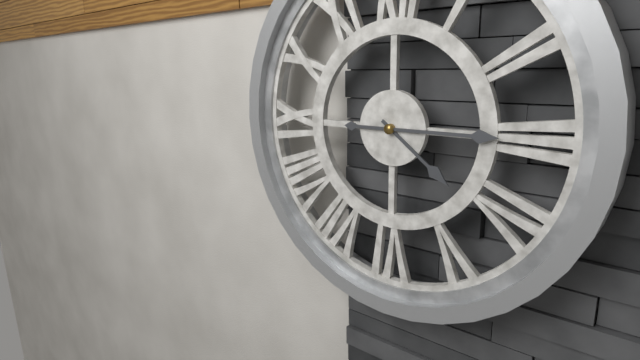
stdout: h=4 m=15
